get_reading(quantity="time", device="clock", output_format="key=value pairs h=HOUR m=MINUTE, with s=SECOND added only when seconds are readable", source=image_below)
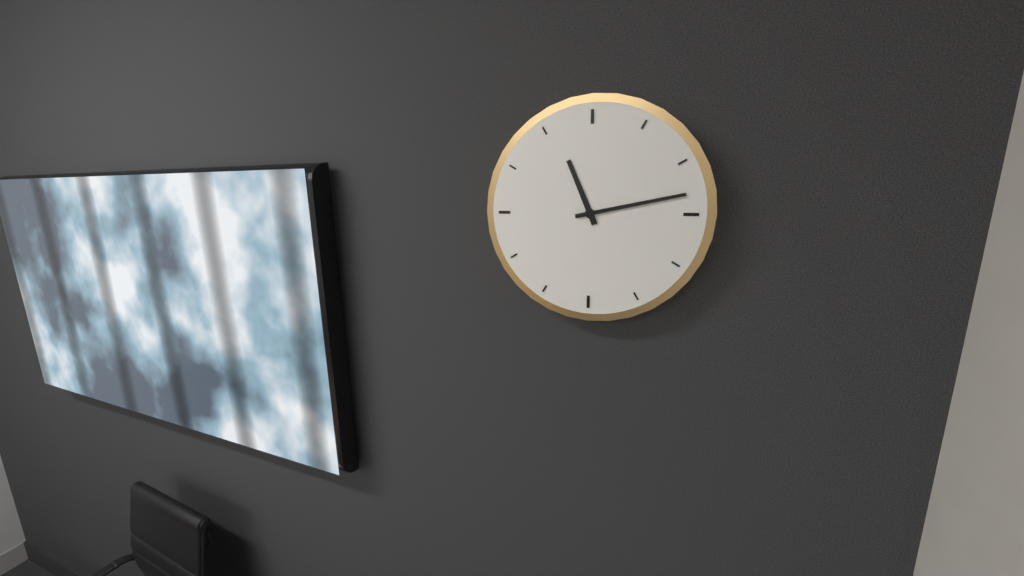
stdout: h=11 m=13
